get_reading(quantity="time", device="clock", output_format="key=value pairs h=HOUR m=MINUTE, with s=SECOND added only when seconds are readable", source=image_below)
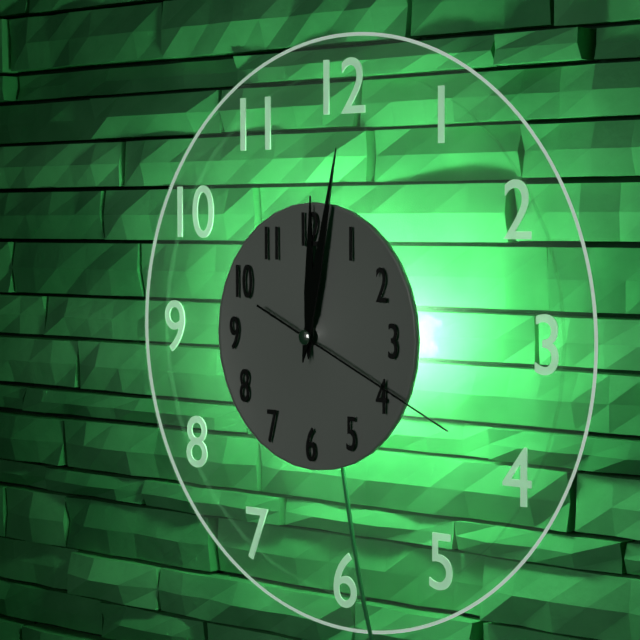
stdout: h=12 m=2 s=19
